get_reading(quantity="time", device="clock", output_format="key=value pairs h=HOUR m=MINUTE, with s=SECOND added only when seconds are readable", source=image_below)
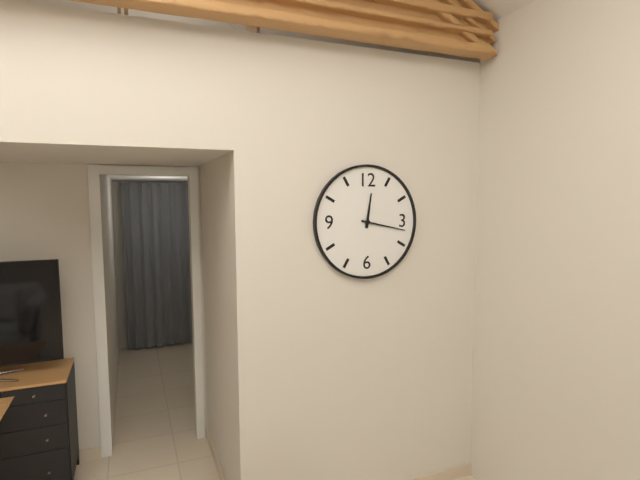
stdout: h=12 m=17
